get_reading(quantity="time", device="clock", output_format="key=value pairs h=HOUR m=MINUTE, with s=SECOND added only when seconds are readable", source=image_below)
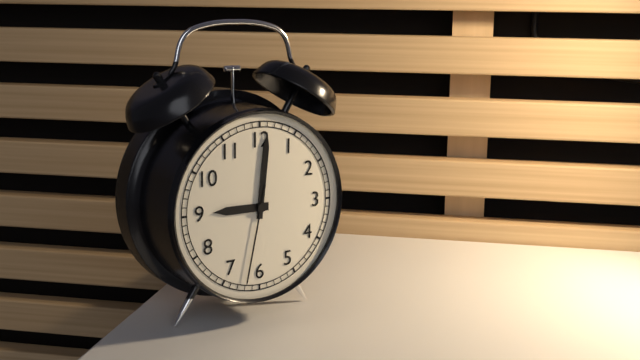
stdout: h=9 m=1 s=32
